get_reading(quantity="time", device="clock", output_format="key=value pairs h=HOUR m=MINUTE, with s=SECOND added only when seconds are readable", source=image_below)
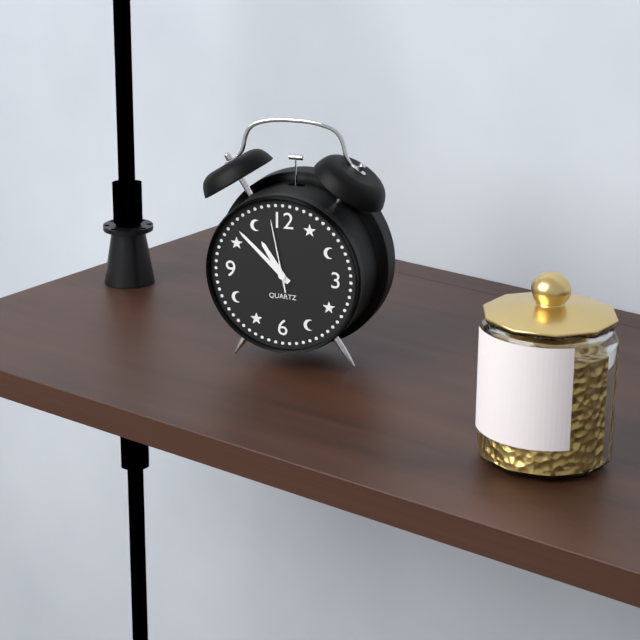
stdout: h=10 m=52 s=58
